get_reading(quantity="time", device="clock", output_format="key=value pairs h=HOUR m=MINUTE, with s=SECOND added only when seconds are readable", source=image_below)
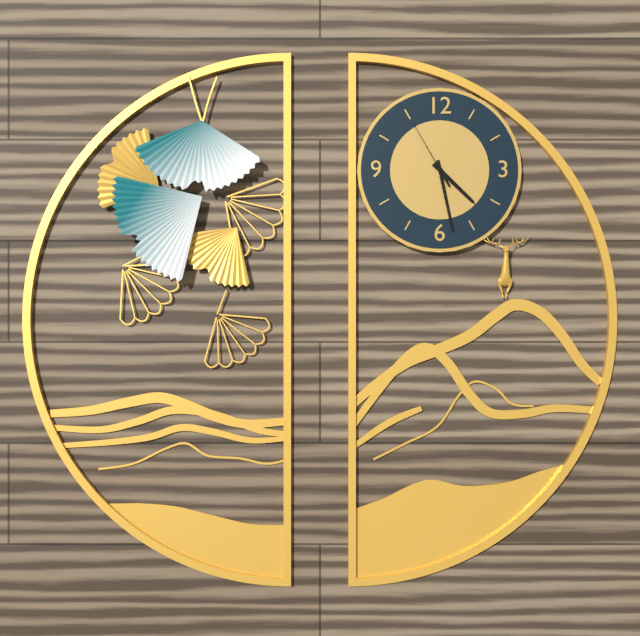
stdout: h=4 m=28 s=55
